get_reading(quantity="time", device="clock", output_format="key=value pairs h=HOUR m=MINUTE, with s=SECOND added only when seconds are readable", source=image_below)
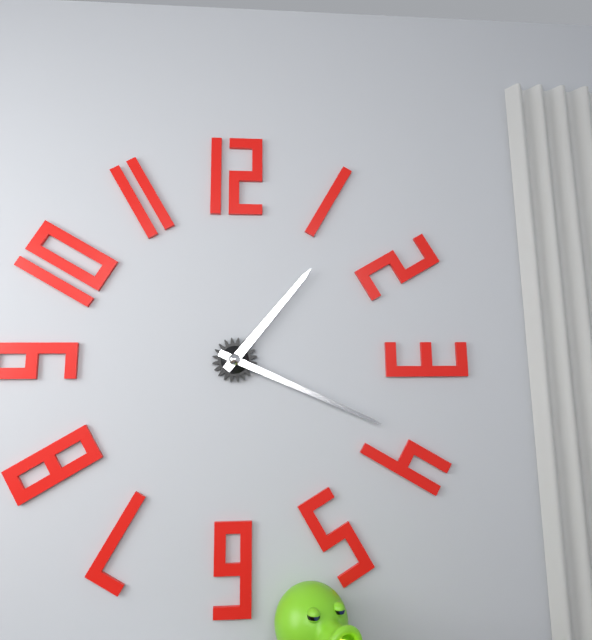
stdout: h=1 m=19
